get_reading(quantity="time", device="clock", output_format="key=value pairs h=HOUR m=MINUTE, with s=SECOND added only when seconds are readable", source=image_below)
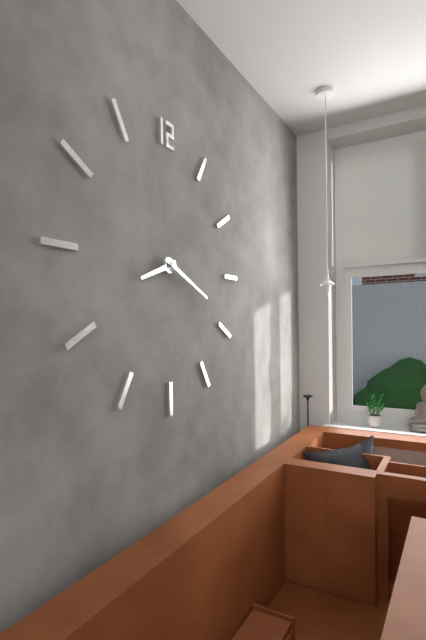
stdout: h=8 m=19
